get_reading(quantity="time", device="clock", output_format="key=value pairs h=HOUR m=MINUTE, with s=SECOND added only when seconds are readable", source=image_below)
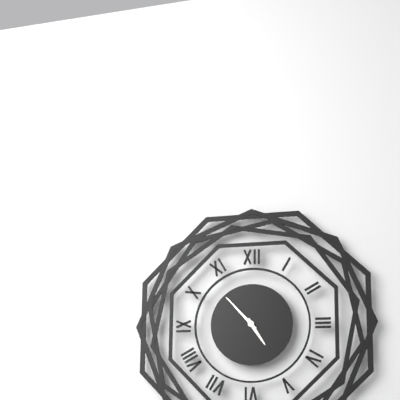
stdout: h=4 m=53
